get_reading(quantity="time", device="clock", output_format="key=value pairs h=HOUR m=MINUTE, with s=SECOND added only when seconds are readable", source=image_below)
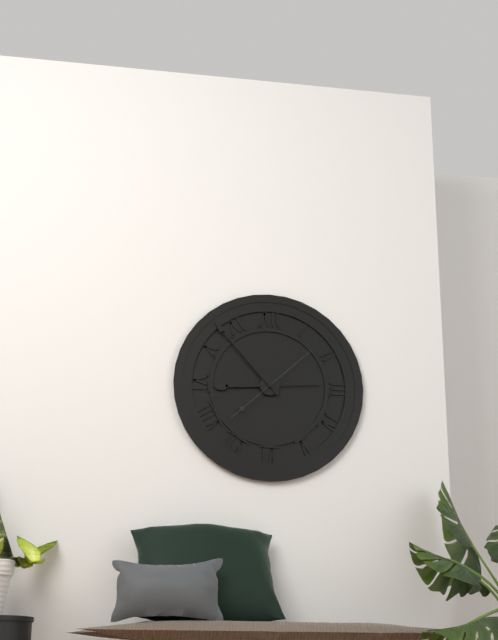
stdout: h=8 m=53 s=8
